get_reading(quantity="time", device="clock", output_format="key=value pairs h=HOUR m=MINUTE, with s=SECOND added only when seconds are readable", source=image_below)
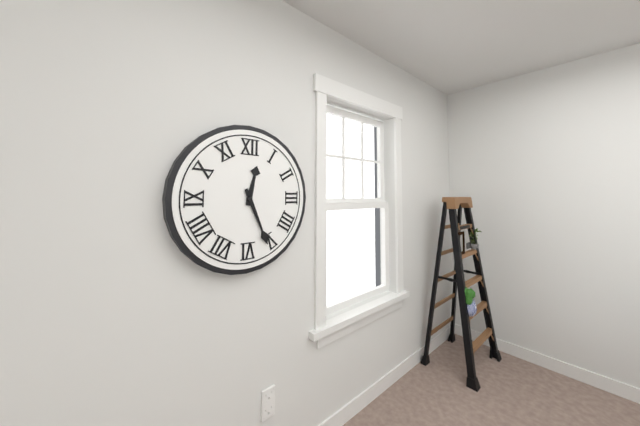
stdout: h=12 m=26
